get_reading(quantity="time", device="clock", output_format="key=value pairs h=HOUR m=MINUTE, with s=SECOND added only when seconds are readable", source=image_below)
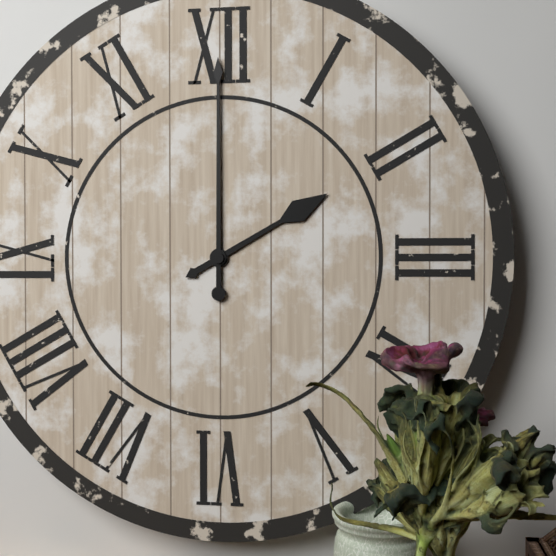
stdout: h=2 m=0
